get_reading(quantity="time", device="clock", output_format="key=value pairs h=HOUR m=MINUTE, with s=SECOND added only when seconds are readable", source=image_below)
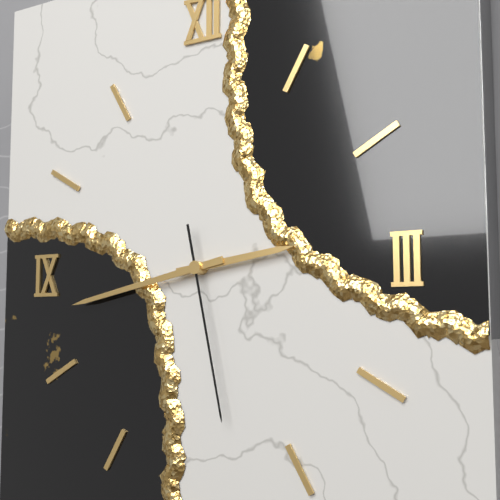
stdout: h=2 m=43 s=28
